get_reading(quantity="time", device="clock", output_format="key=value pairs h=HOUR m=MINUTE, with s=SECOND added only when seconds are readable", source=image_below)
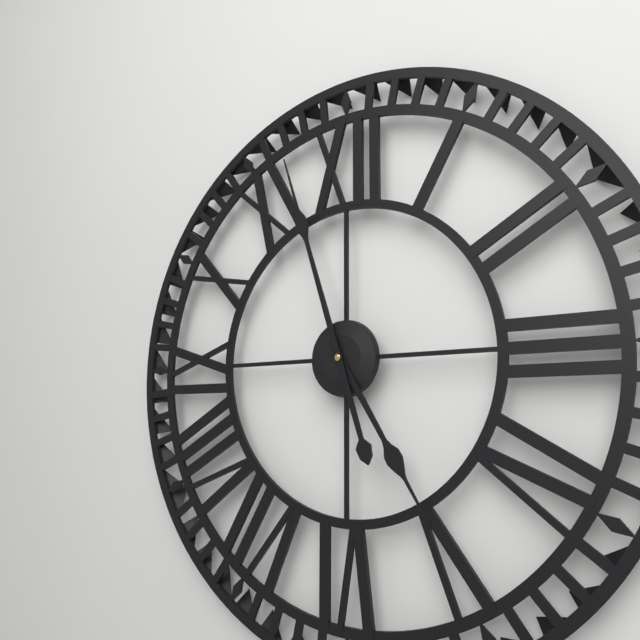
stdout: h=4 m=57
